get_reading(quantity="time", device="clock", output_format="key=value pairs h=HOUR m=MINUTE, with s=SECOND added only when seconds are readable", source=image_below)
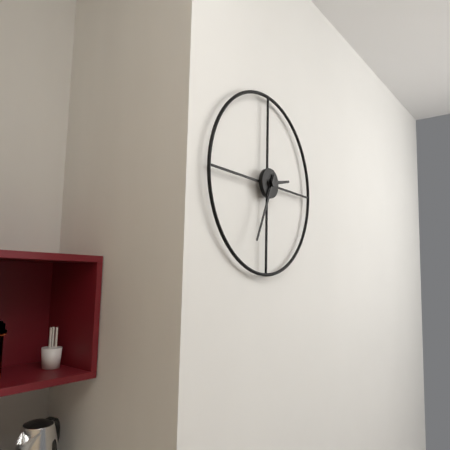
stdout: h=2 m=34
